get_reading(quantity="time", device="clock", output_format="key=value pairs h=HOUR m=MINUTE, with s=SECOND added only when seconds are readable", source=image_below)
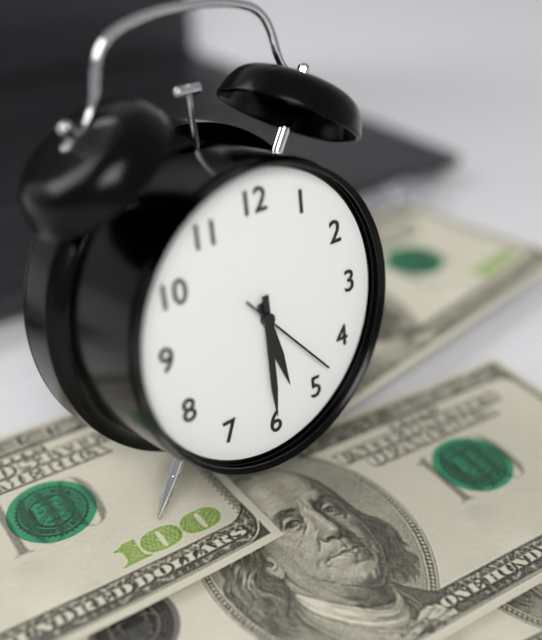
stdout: h=5 m=30 s=23
